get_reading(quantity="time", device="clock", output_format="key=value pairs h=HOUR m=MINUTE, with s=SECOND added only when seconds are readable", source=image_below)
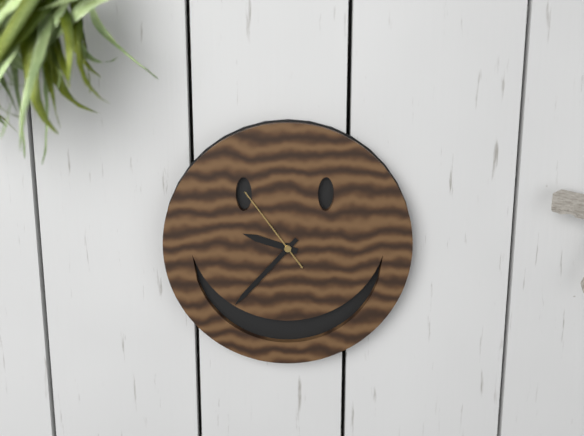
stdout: h=9 m=37 s=54
